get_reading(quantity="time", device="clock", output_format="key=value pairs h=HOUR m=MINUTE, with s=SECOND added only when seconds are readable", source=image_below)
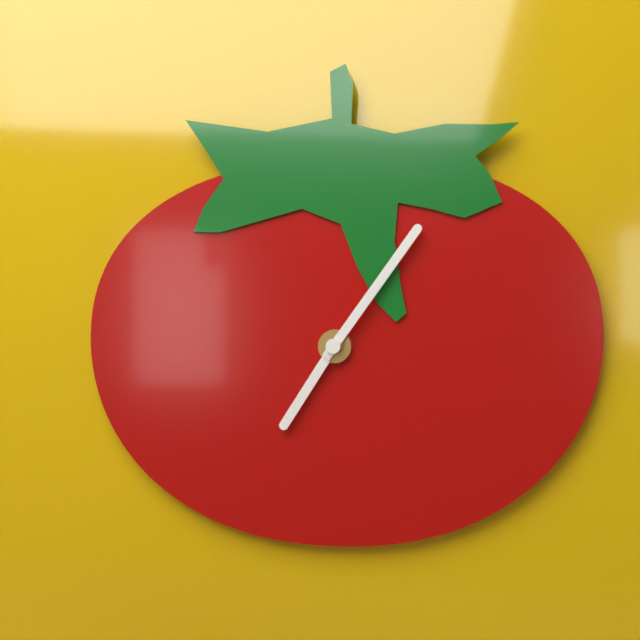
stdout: h=7 m=6
